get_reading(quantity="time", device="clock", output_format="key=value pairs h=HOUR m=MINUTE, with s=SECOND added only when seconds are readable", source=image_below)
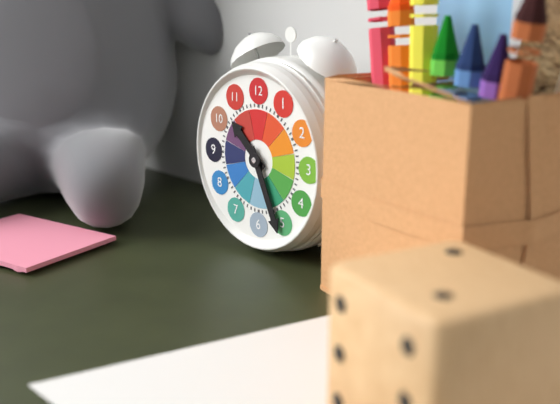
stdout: h=10 m=26
